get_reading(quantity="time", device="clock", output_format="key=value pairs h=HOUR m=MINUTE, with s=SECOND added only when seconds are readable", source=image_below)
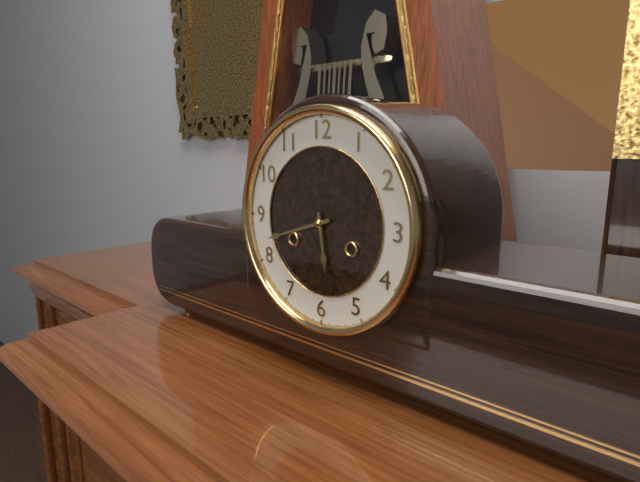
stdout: h=5 m=42
